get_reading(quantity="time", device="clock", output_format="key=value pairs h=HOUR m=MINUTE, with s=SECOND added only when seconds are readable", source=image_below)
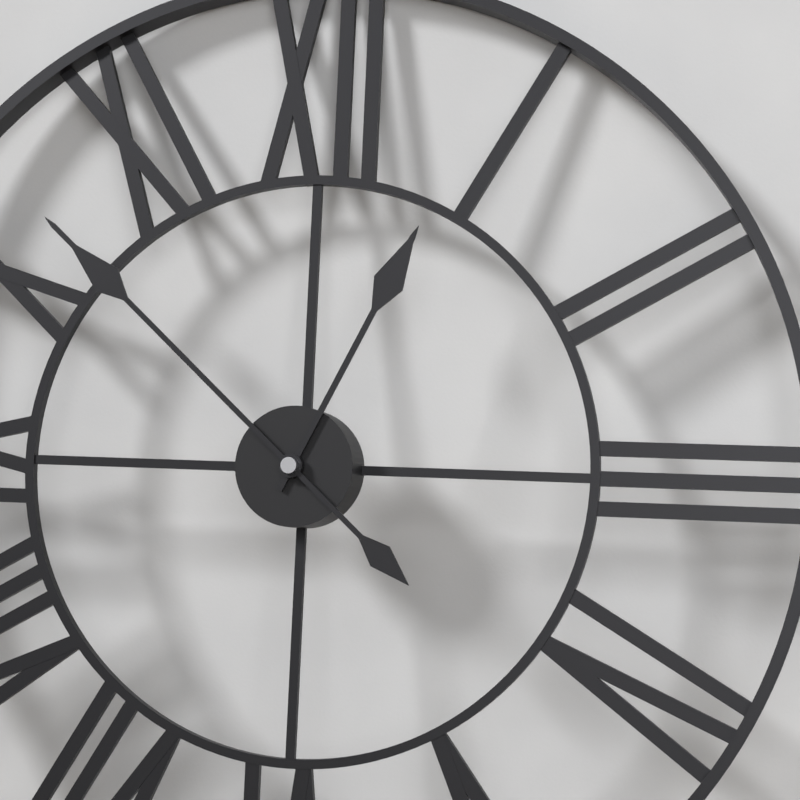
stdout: h=12 m=52
